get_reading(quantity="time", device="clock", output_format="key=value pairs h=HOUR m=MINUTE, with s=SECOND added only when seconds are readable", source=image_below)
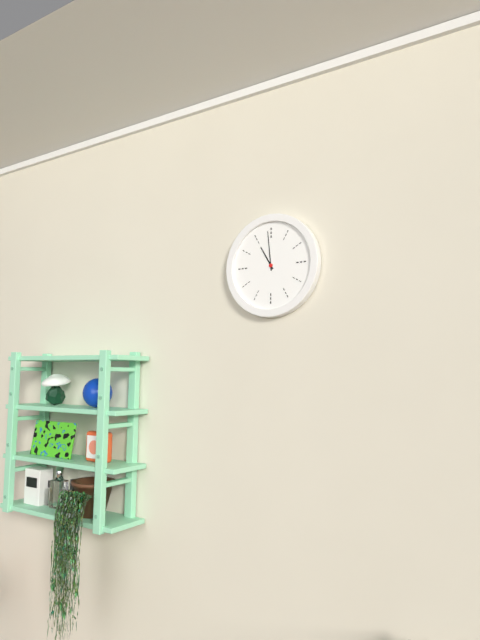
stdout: h=10 m=59
